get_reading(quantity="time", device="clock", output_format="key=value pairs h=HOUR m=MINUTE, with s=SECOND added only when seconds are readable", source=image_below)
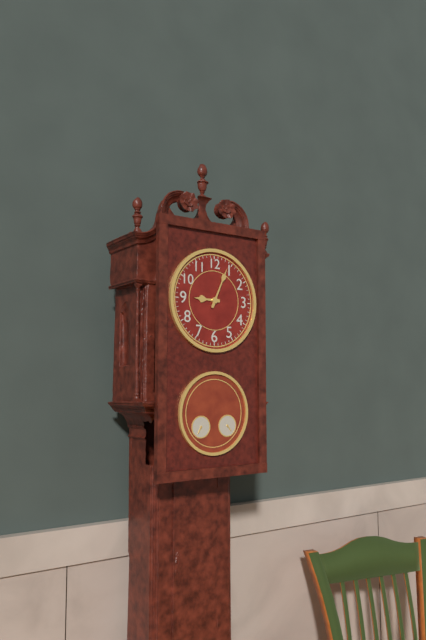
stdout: h=9 m=4
